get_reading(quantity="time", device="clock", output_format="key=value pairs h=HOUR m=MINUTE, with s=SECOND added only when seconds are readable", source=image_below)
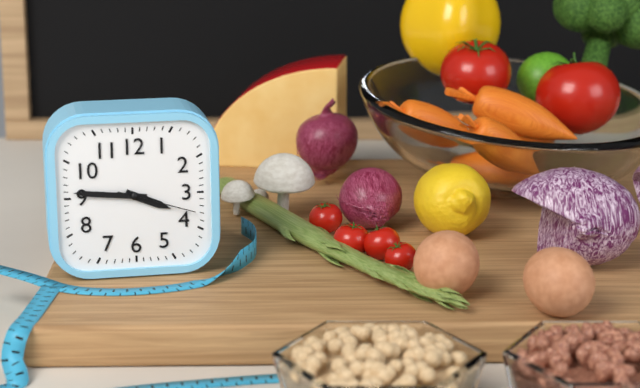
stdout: h=3 m=46 s=18
